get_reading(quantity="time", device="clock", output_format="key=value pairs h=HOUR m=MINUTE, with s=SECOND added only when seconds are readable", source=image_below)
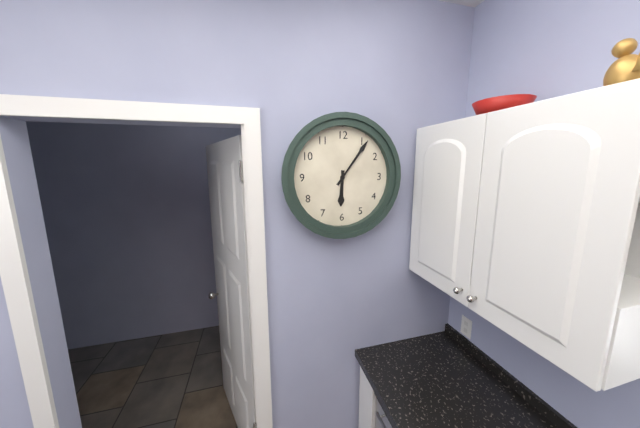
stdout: h=6 m=6
